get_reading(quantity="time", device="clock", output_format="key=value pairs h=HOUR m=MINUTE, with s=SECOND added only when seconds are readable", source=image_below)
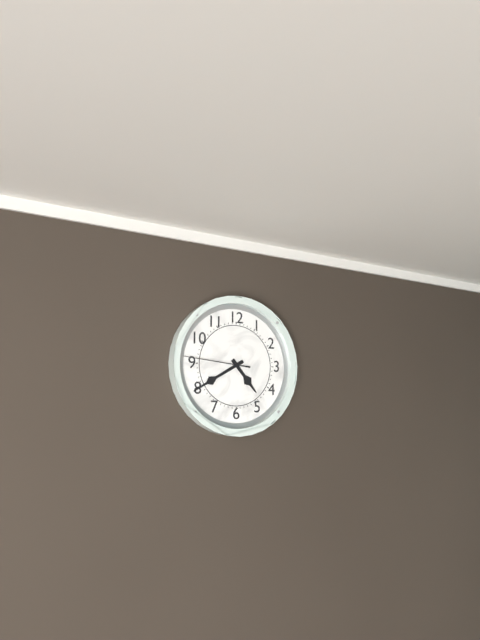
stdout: h=4 m=40 s=46
